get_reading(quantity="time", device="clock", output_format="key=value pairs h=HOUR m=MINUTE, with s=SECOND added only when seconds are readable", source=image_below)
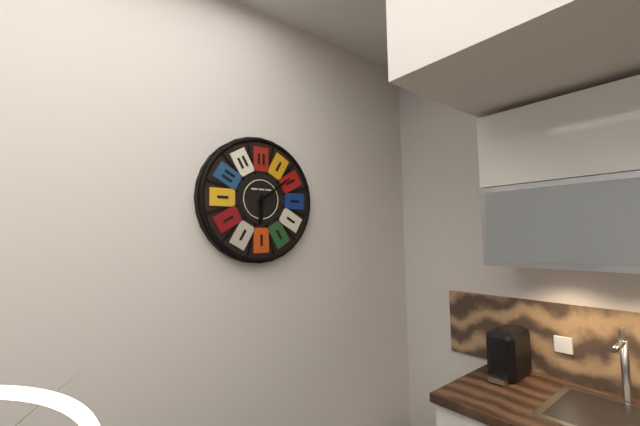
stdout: h=6 m=9
